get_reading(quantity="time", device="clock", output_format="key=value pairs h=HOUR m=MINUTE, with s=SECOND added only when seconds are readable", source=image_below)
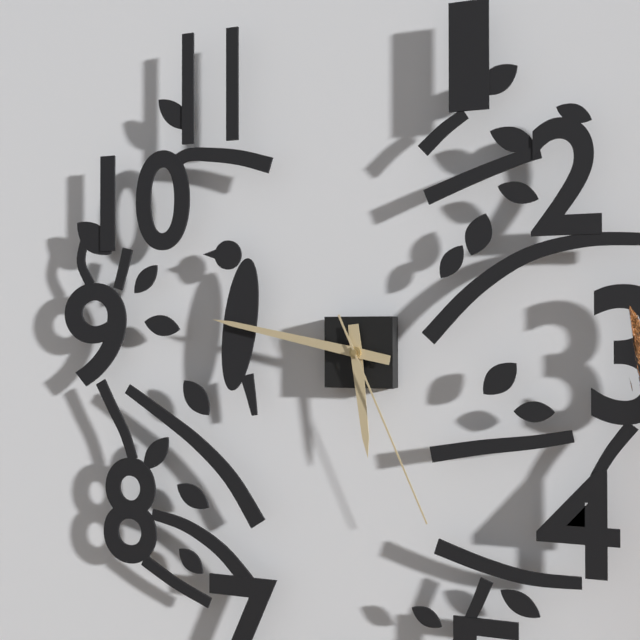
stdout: h=5 m=47 s=26
